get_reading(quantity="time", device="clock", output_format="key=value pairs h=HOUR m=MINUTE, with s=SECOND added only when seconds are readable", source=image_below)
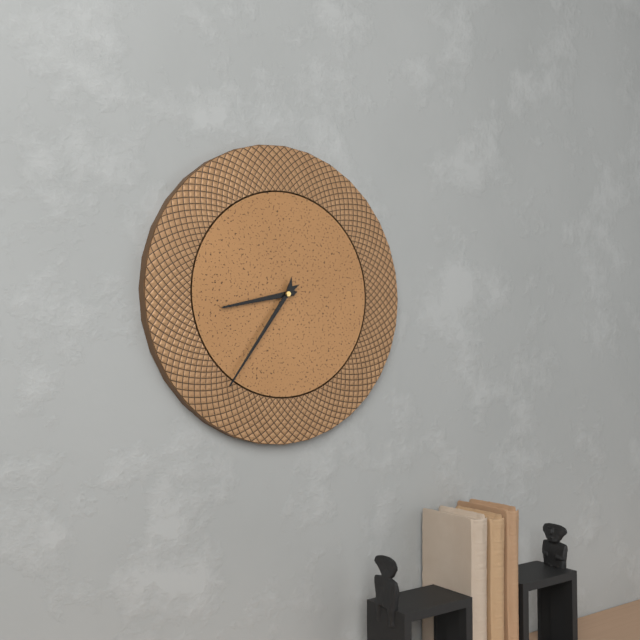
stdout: h=8 m=36
